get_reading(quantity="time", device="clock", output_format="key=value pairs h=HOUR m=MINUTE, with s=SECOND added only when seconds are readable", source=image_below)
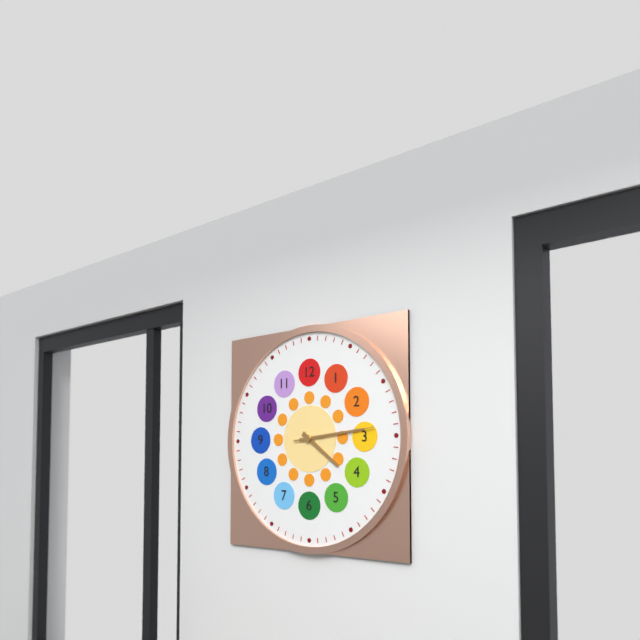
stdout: h=4 m=14 s=14
